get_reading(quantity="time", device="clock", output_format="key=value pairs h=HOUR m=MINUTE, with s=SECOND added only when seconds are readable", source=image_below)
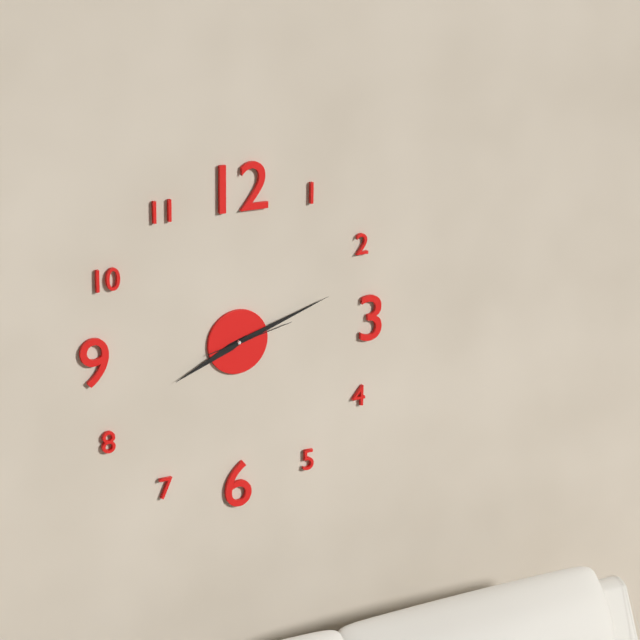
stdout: h=8 m=12 s=13
